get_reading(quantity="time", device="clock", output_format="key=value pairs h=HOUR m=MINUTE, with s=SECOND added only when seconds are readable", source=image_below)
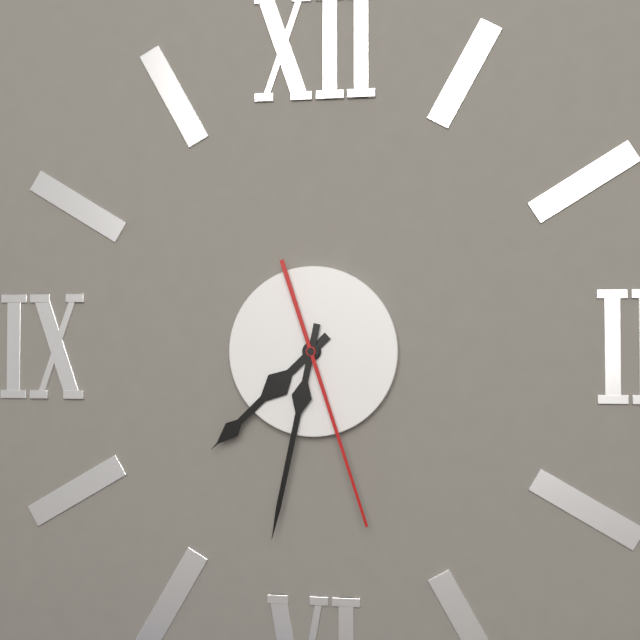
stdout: h=7 m=32 s=27
